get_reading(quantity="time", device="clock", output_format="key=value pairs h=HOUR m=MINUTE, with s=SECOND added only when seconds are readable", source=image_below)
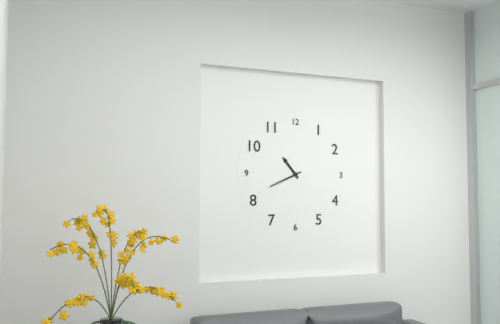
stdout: h=10 m=41
